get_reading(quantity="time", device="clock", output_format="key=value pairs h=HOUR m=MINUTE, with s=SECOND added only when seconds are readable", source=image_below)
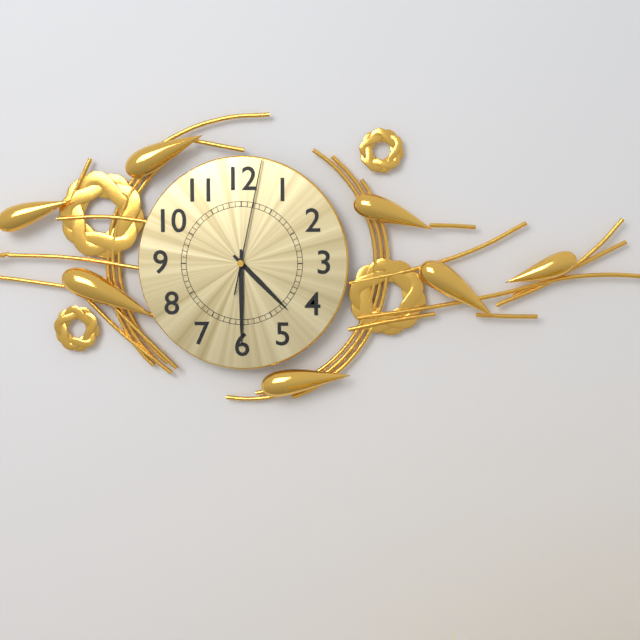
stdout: h=4 m=30 s=2
